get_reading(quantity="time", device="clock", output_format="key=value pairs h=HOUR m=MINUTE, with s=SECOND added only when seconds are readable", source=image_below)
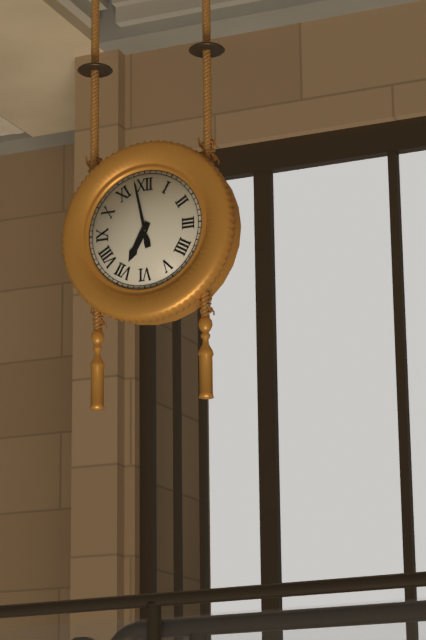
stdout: h=6 m=58
